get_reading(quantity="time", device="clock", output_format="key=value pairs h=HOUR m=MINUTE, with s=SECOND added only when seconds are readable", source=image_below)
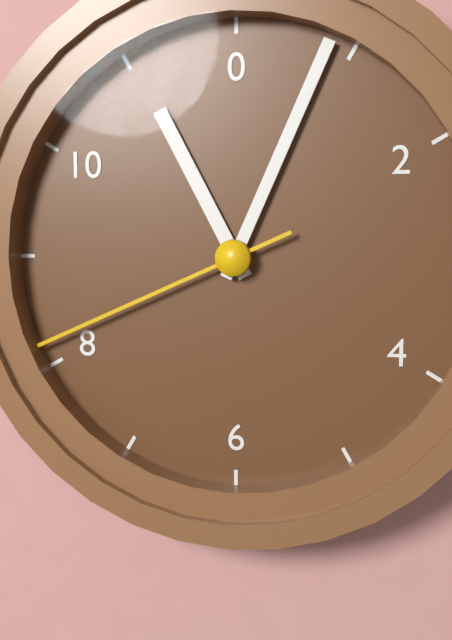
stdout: h=11 m=4 s=41
